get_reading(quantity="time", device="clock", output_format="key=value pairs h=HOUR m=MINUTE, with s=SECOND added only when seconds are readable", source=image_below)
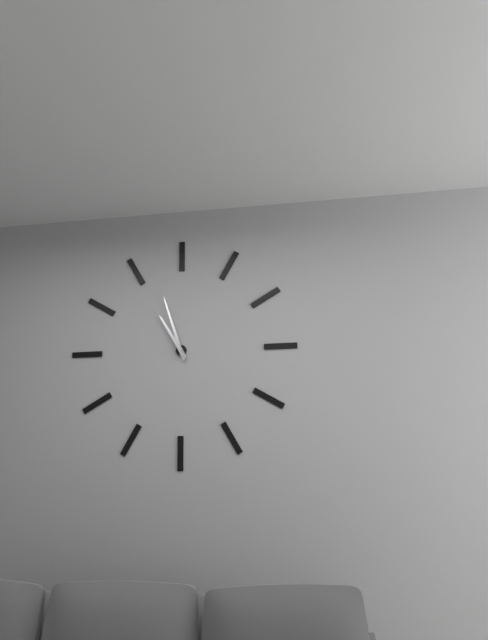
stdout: h=10 m=57
